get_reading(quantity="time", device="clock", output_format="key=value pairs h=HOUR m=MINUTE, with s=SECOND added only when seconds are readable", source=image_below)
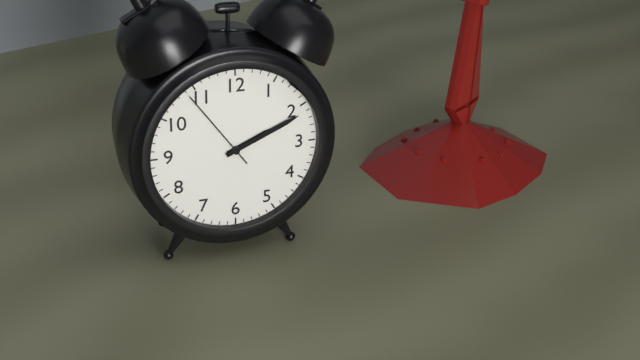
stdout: h=2 m=11 s=54
